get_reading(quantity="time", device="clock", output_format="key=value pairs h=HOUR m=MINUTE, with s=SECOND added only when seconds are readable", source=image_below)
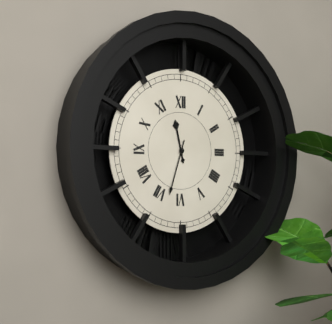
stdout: h=11 m=33
